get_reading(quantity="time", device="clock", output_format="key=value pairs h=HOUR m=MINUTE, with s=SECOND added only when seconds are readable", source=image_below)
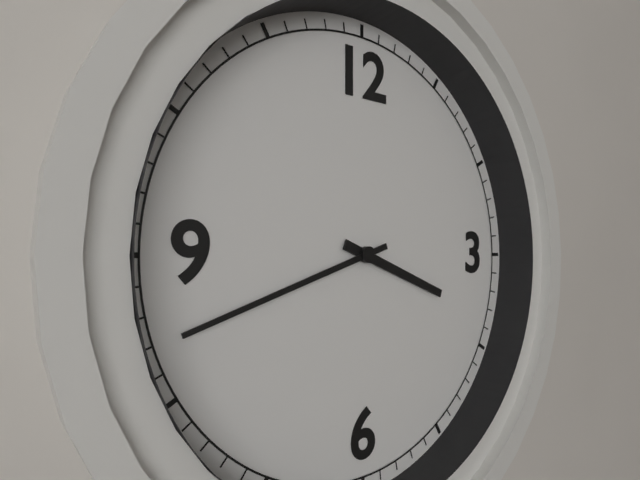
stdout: h=3 m=42
